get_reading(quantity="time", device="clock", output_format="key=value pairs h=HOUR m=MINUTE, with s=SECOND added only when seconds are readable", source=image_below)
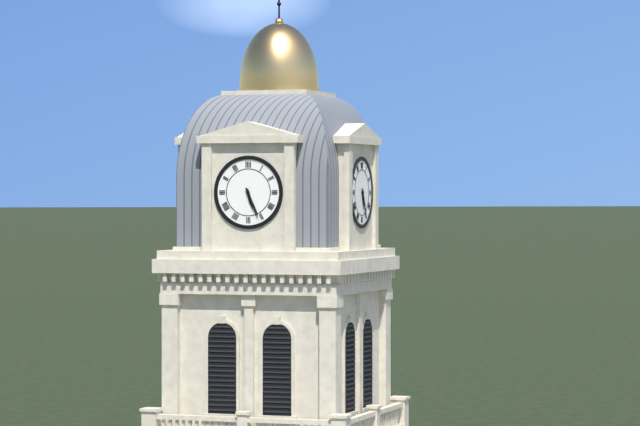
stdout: h=5 m=26
